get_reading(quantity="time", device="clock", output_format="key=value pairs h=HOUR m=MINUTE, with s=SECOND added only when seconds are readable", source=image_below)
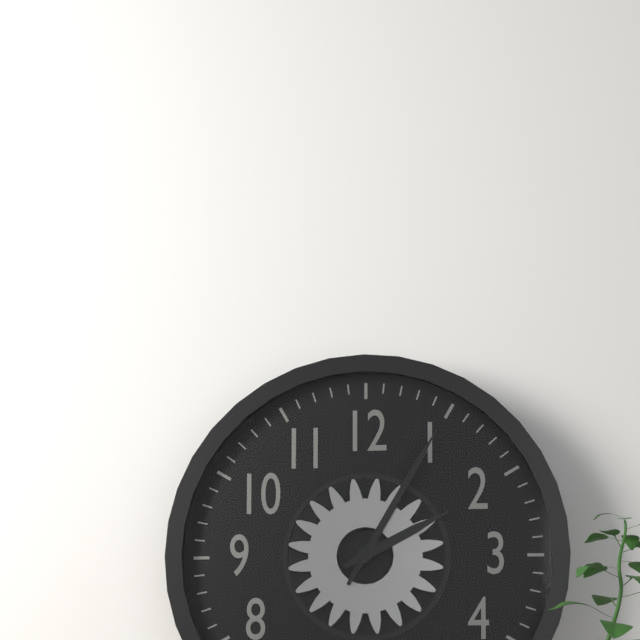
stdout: h=2 m=5
